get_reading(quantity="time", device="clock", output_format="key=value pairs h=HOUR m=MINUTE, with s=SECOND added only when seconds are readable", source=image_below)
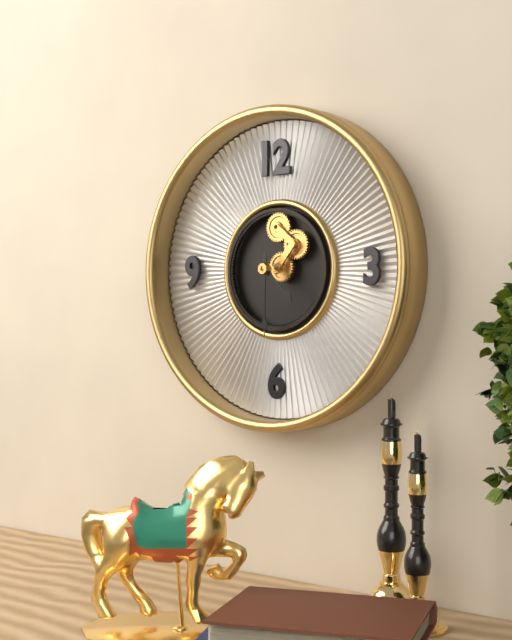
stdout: h=4 m=30
